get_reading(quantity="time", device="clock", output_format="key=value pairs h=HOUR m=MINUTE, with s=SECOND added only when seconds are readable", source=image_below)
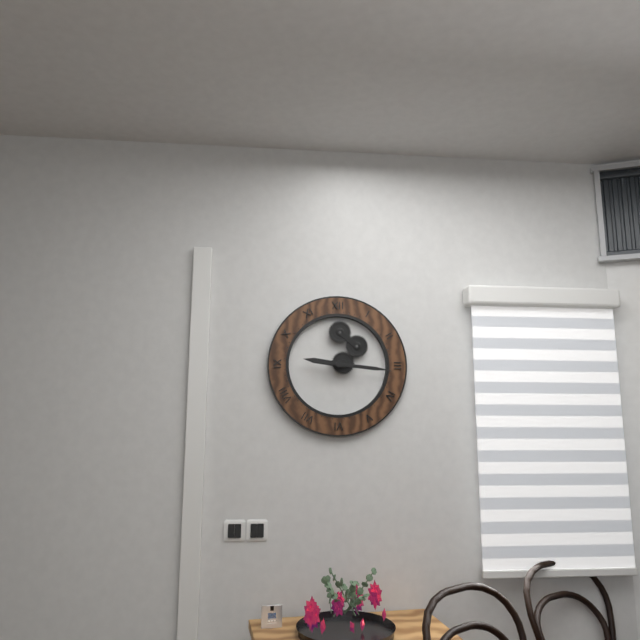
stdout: h=9 m=16
